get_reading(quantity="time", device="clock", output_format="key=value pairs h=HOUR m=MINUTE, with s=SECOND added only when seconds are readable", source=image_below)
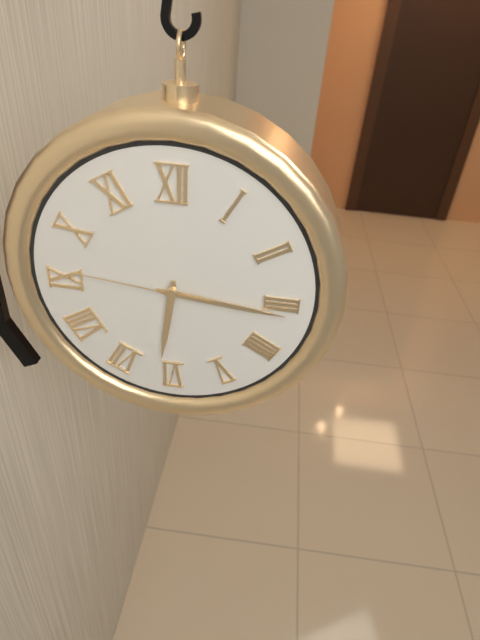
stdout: h=6 m=16 s=46
